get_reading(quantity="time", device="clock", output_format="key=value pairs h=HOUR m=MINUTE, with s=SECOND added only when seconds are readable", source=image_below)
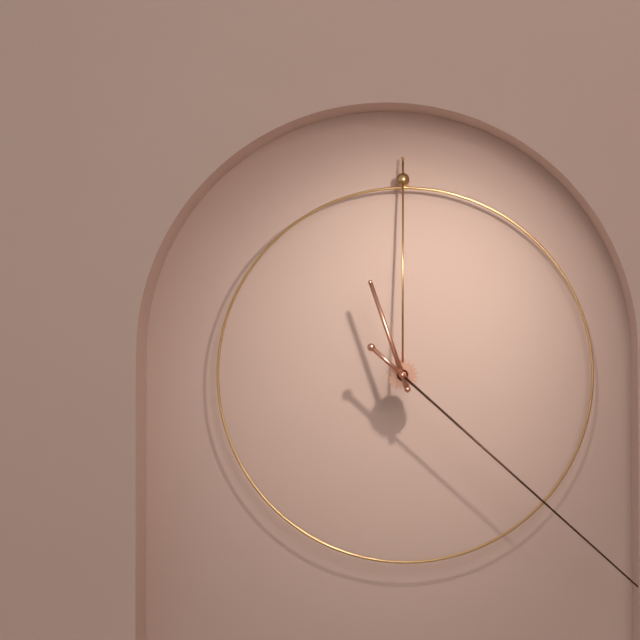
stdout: h=11 m=22
